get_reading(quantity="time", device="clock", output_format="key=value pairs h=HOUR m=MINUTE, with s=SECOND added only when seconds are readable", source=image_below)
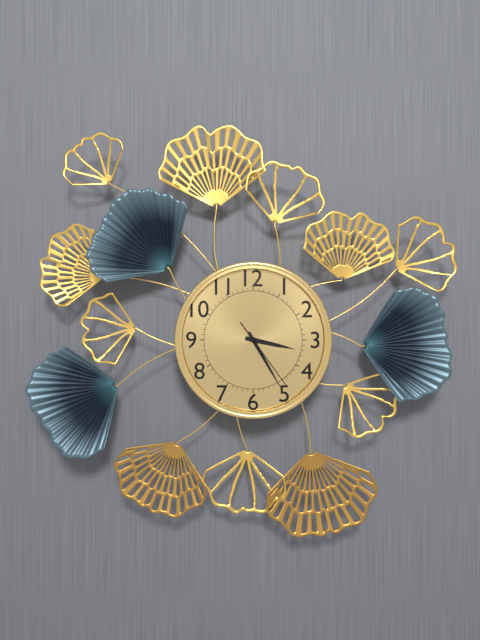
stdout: h=3 m=25 s=24
